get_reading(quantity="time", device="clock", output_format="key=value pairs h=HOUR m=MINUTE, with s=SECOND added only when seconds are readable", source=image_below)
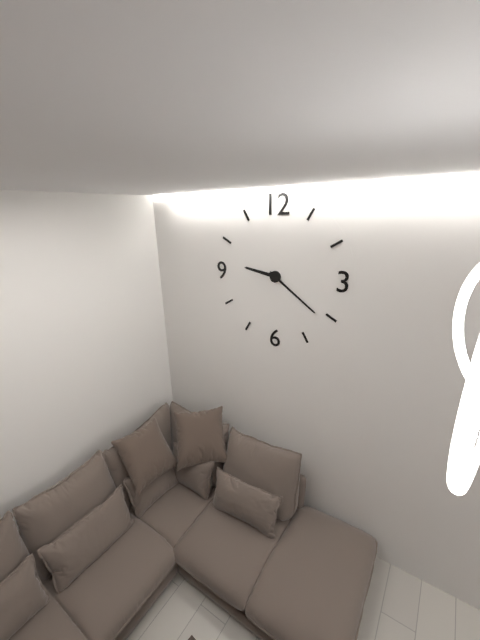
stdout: h=9 m=21
